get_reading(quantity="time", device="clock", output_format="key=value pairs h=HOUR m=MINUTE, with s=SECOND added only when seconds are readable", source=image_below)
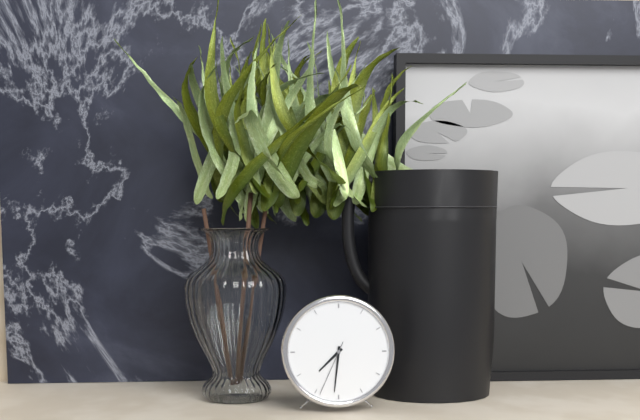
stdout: h=7 m=31 s=34
